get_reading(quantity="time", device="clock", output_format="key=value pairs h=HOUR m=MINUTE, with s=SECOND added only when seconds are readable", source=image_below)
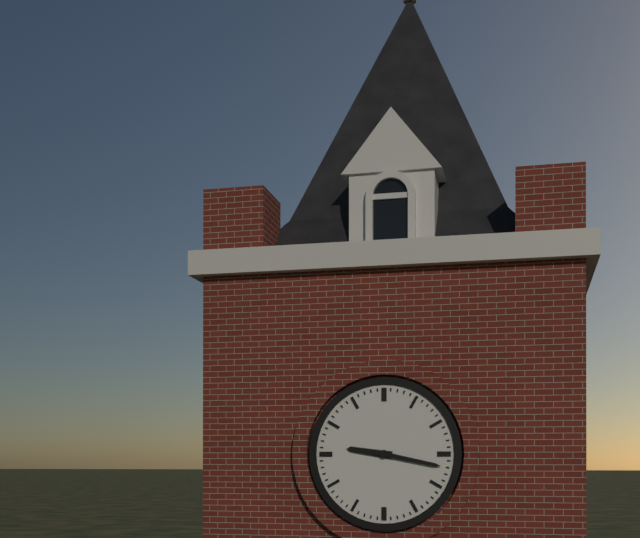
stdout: h=9 m=17
